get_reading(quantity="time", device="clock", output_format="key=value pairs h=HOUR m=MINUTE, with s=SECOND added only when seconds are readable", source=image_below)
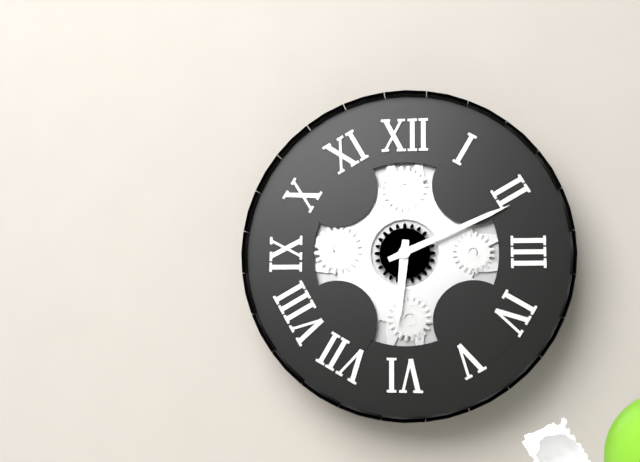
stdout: h=6 m=11
